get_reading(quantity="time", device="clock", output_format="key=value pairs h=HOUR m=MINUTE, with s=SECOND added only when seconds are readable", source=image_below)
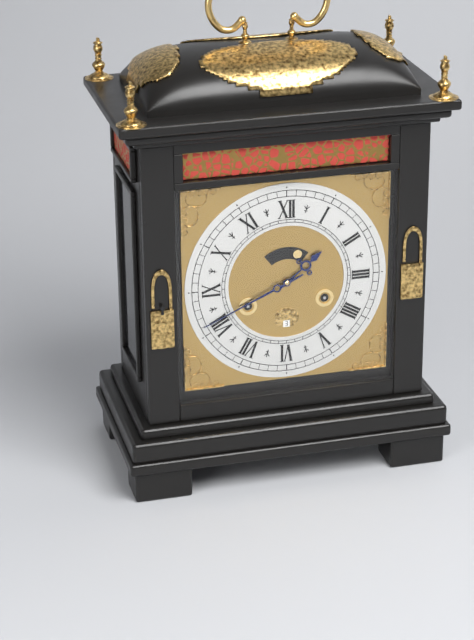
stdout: h=1 m=41
